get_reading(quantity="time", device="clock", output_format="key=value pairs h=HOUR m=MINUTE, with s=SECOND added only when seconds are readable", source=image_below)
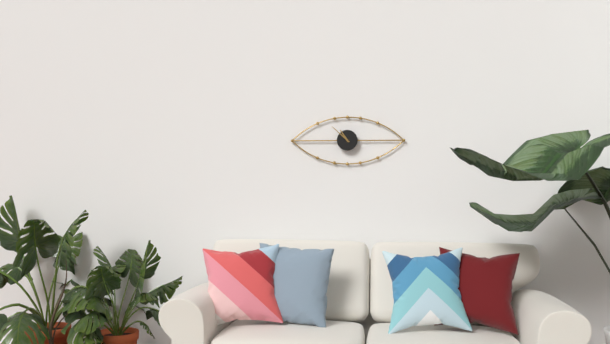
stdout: h=10 m=52
